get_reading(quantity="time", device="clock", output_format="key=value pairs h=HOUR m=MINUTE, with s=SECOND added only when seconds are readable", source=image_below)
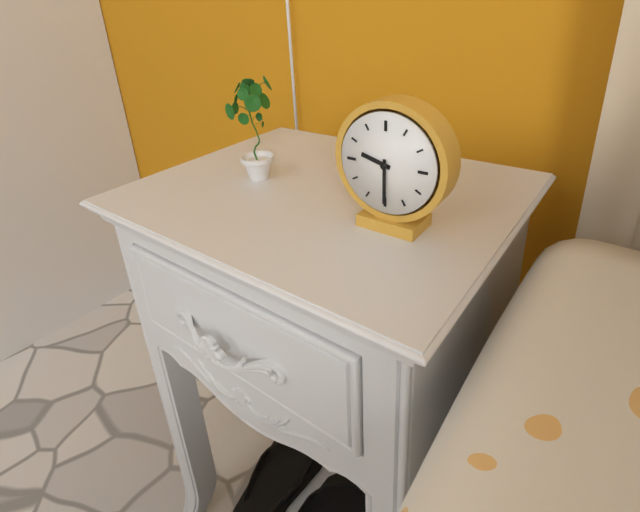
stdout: h=9 m=30
